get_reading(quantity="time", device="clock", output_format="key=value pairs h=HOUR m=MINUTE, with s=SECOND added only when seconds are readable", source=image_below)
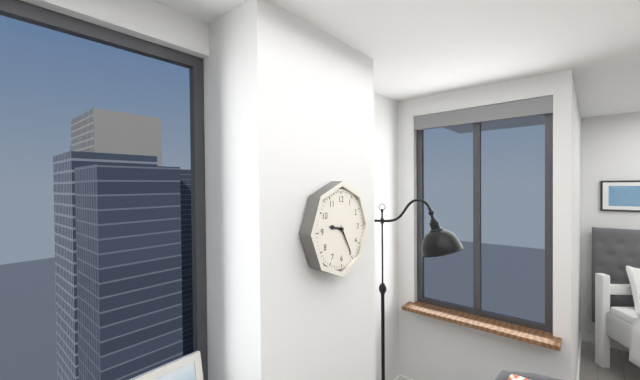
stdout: h=9 m=25
